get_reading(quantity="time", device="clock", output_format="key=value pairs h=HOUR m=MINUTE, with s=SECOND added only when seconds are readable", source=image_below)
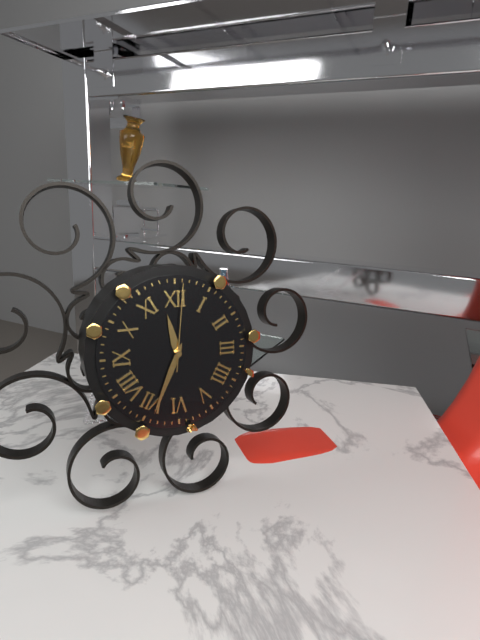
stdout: h=11 m=34 s=1
